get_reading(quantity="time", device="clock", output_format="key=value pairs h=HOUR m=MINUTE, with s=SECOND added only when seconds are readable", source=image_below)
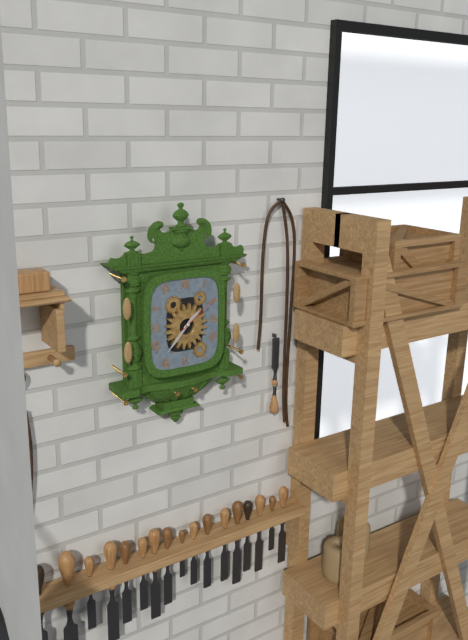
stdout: h=1 m=37
